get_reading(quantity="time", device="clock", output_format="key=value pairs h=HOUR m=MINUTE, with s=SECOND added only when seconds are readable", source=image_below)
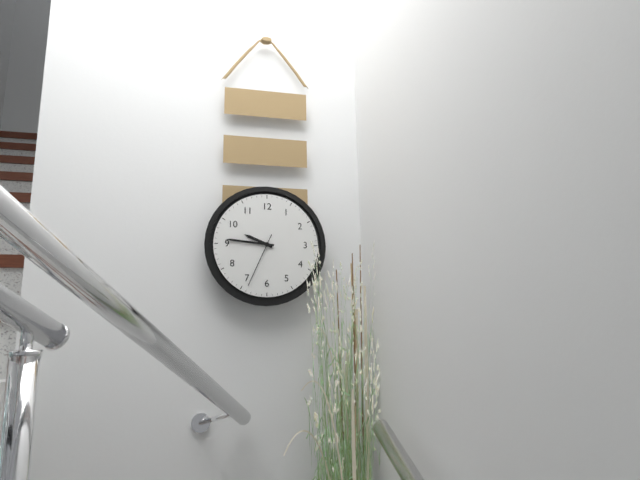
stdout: h=9 m=46 s=34
